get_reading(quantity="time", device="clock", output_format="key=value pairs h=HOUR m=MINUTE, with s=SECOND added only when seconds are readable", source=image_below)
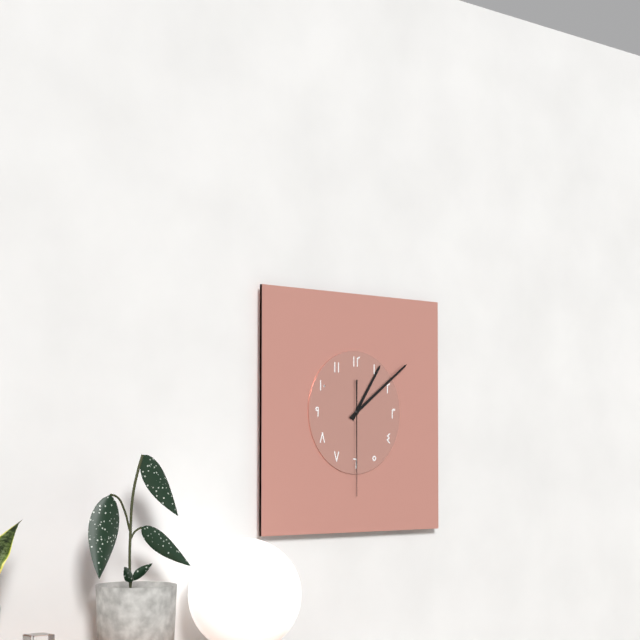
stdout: h=1 m=9 s=30
